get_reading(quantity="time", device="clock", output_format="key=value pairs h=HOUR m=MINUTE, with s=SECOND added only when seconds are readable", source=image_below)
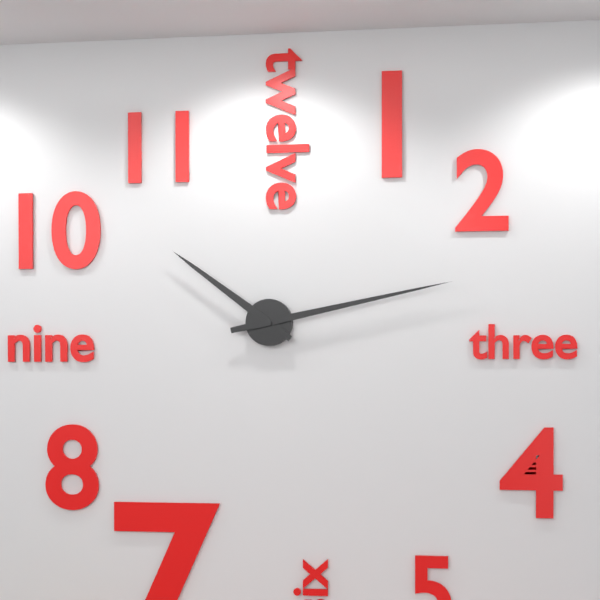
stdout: h=10 m=13
